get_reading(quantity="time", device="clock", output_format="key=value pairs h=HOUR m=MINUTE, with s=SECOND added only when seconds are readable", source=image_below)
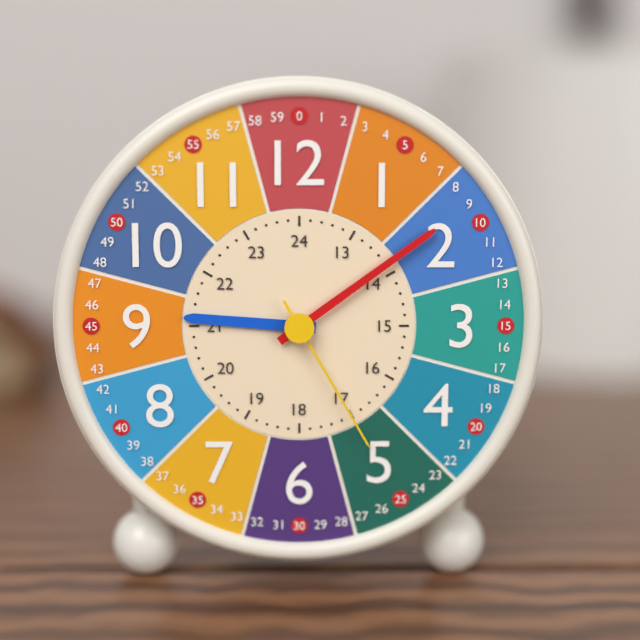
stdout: h=9 m=9 s=25
